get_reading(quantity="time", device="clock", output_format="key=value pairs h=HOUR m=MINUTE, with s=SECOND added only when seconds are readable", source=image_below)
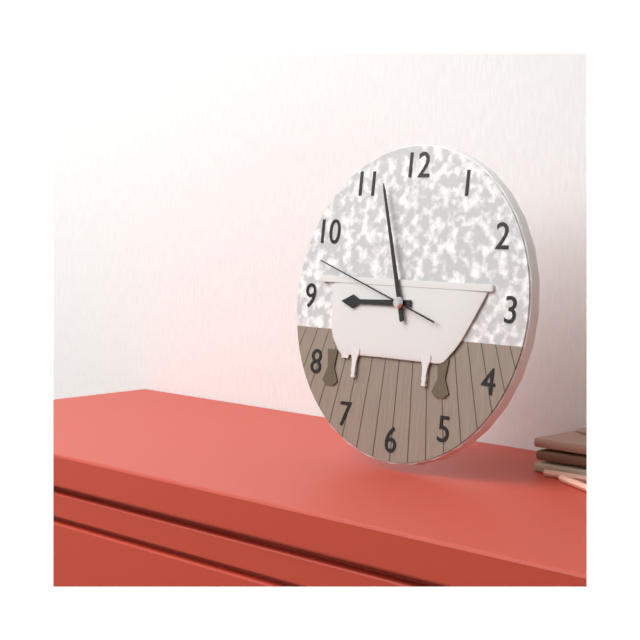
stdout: h=8 m=57 s=48
